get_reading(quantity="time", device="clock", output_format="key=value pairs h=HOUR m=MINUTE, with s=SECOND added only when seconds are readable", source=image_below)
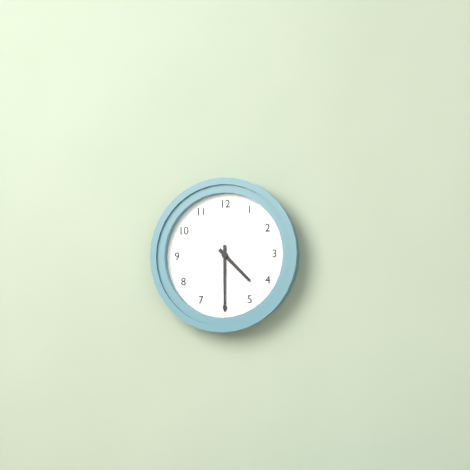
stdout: h=4 m=30
